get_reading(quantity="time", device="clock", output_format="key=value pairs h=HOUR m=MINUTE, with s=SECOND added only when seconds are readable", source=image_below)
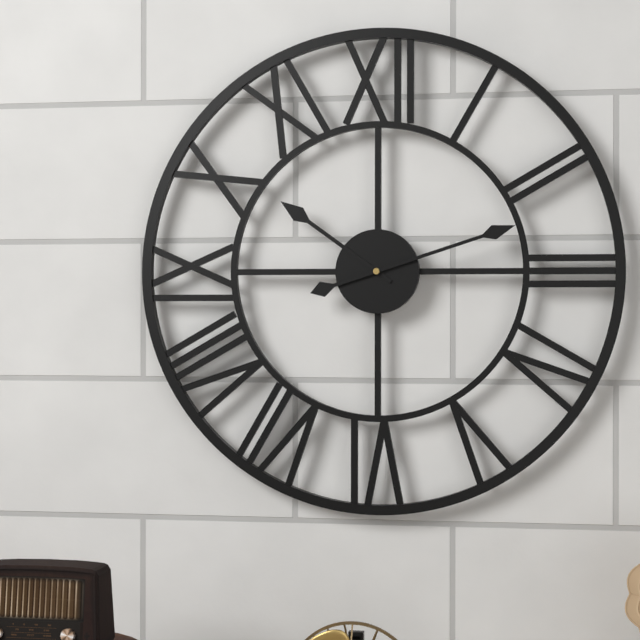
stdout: h=10 m=12
